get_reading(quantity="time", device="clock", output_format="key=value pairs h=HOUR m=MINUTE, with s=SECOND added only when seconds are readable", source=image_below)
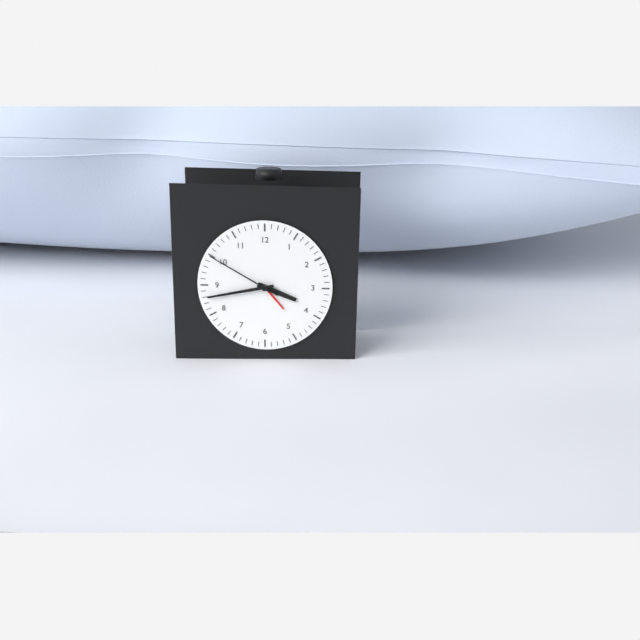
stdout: h=3 m=43 s=50
